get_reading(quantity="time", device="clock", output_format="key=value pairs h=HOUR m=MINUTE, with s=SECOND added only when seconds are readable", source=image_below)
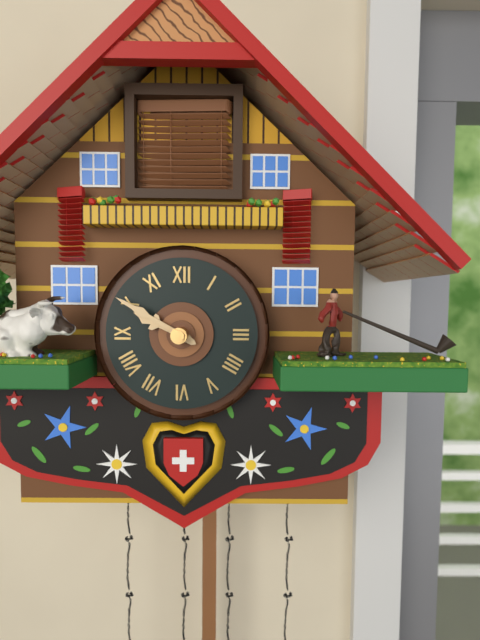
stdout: h=9 m=50
